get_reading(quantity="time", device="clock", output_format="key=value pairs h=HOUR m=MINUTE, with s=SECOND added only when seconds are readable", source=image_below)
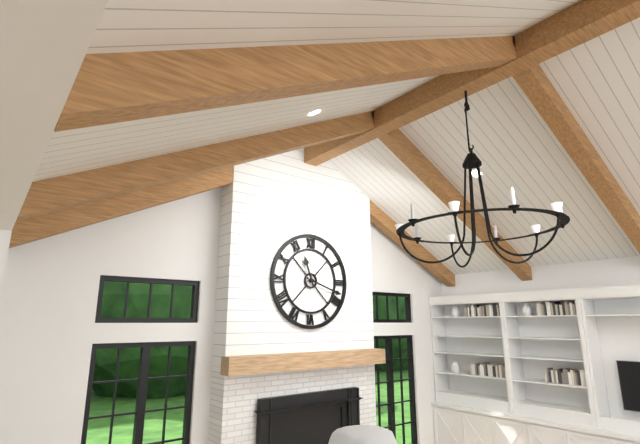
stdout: h=11 m=18
